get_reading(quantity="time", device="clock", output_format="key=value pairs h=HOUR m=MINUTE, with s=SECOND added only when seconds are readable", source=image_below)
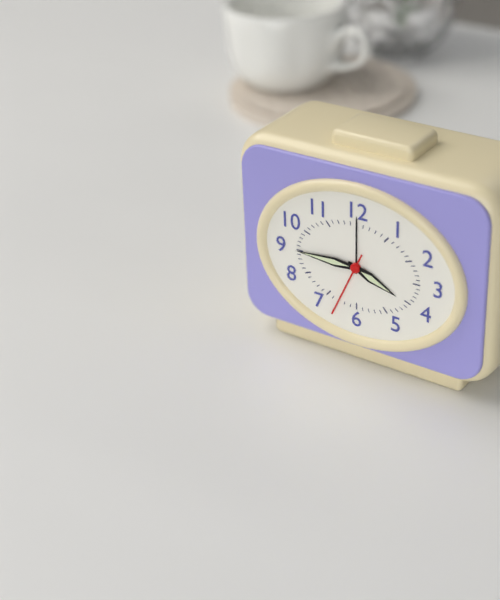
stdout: h=3 m=45 s=34
